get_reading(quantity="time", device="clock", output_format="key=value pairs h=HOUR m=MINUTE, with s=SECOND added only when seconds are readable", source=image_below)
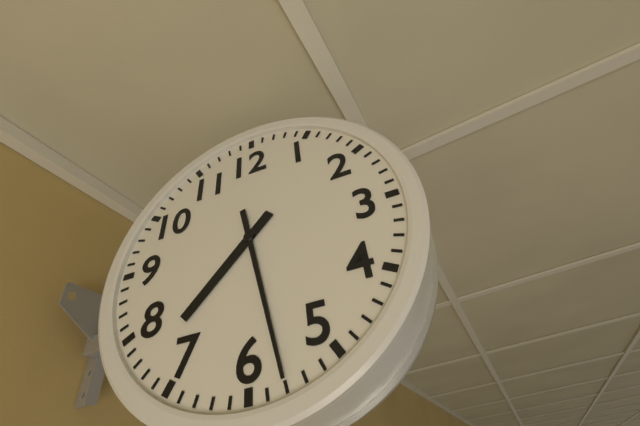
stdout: h=7 m=28
